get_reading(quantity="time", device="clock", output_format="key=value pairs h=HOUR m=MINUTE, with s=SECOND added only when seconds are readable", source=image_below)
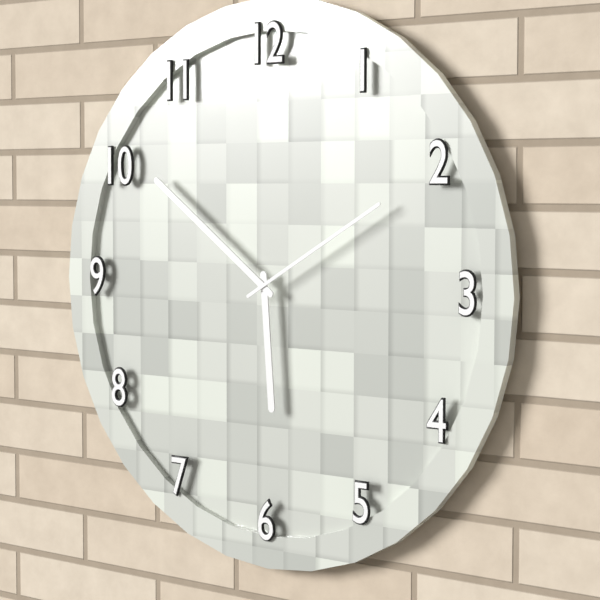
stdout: h=5 m=51 s=10
